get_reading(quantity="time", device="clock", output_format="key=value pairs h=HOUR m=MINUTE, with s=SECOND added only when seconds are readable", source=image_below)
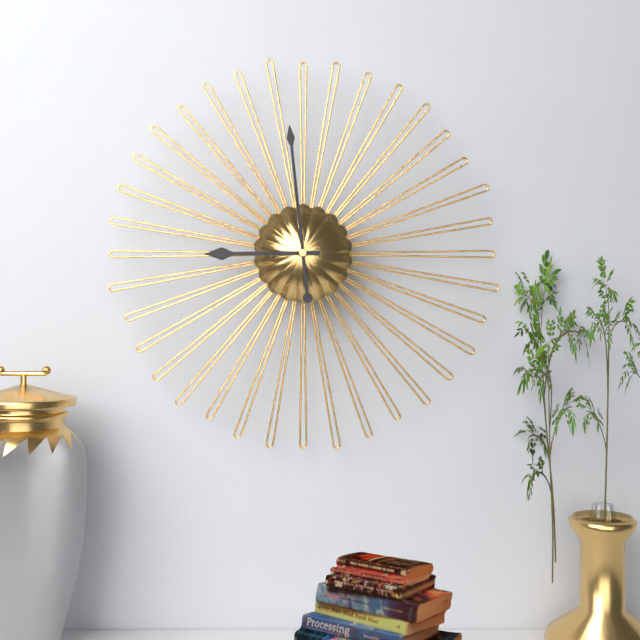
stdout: h=8 m=59
